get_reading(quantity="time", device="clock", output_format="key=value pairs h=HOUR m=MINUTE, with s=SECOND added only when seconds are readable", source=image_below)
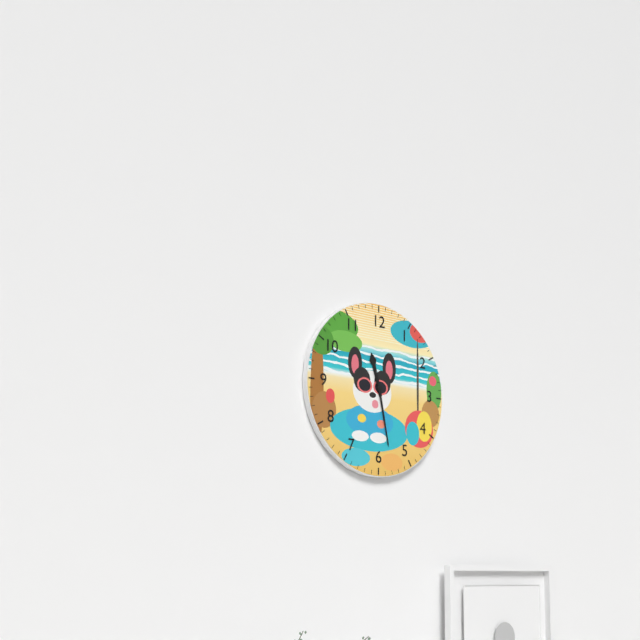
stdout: h=11 m=28
